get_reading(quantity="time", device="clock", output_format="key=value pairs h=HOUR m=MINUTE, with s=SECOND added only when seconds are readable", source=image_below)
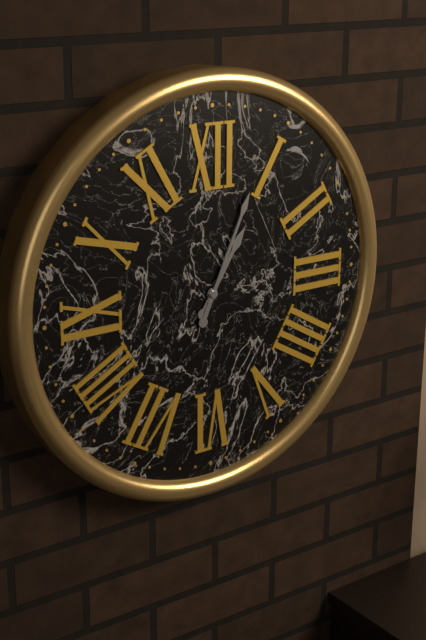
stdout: h=1 m=4
